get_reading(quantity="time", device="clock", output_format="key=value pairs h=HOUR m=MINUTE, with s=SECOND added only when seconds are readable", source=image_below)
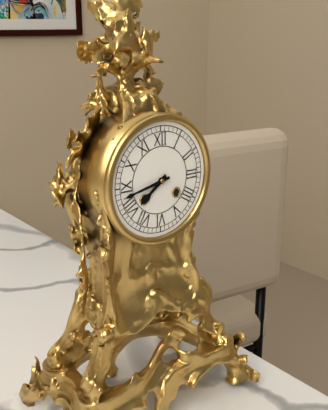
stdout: h=7 m=43
